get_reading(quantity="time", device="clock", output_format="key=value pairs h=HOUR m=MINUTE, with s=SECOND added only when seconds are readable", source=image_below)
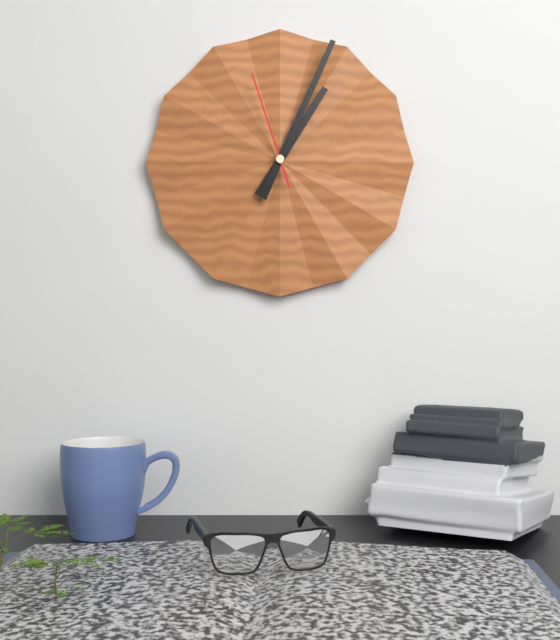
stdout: h=1 m=4 s=57
